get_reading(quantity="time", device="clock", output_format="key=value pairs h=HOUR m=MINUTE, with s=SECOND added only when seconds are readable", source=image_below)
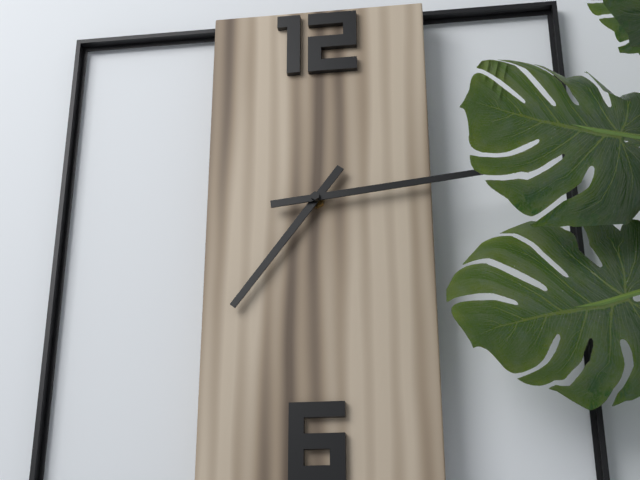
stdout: h=7 m=14
